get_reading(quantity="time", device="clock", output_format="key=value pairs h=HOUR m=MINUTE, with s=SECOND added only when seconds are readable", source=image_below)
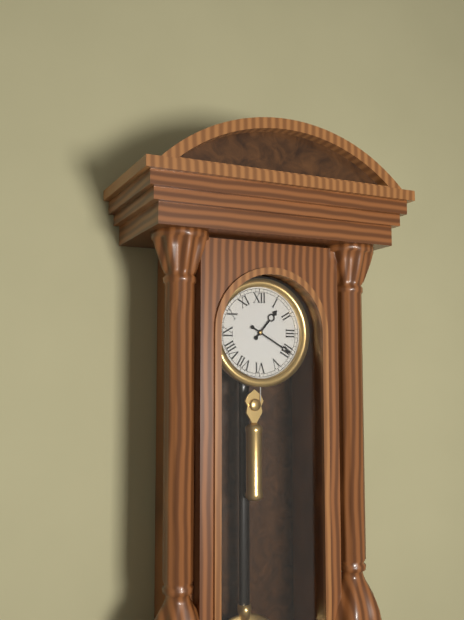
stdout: h=1 m=20
